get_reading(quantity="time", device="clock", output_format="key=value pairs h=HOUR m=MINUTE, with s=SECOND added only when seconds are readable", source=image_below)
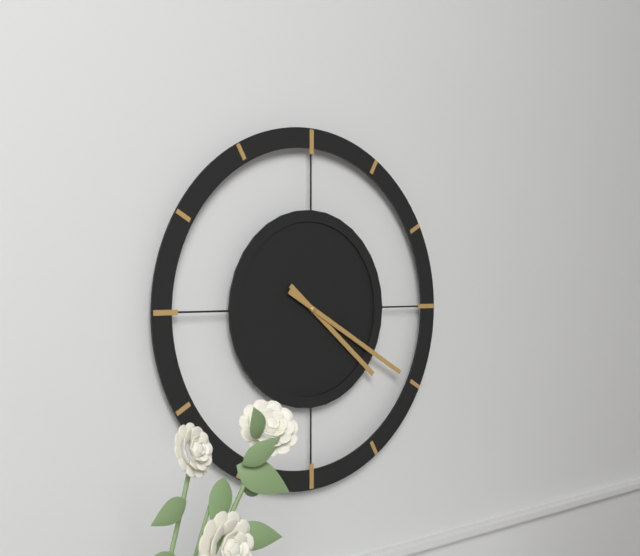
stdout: h=4 m=20
